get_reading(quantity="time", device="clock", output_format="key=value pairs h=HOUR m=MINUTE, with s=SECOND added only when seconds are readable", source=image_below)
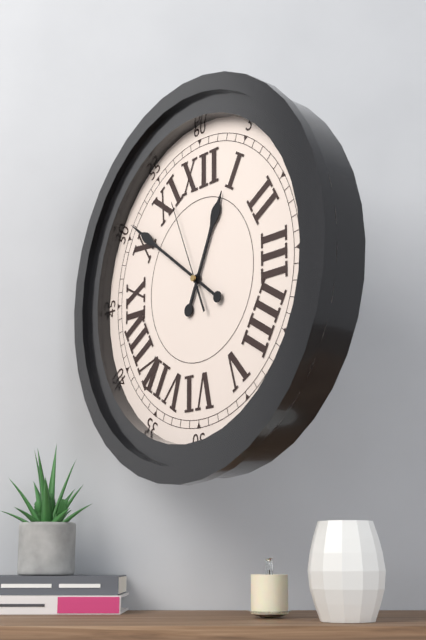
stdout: h=12 m=51 s=56
